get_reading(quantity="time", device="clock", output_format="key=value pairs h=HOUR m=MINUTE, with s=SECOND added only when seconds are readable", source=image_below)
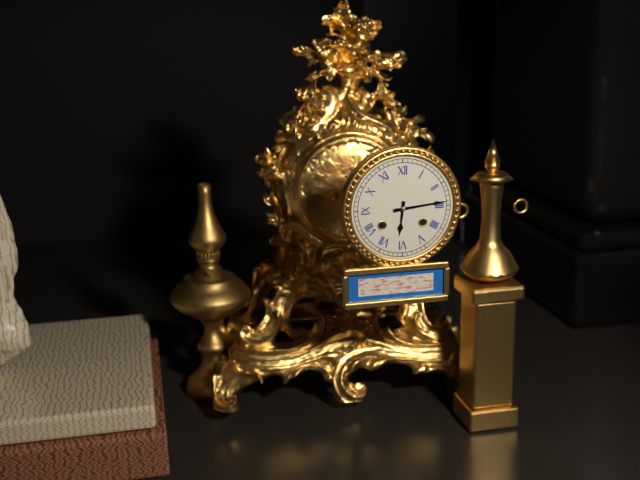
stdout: h=6 m=14
